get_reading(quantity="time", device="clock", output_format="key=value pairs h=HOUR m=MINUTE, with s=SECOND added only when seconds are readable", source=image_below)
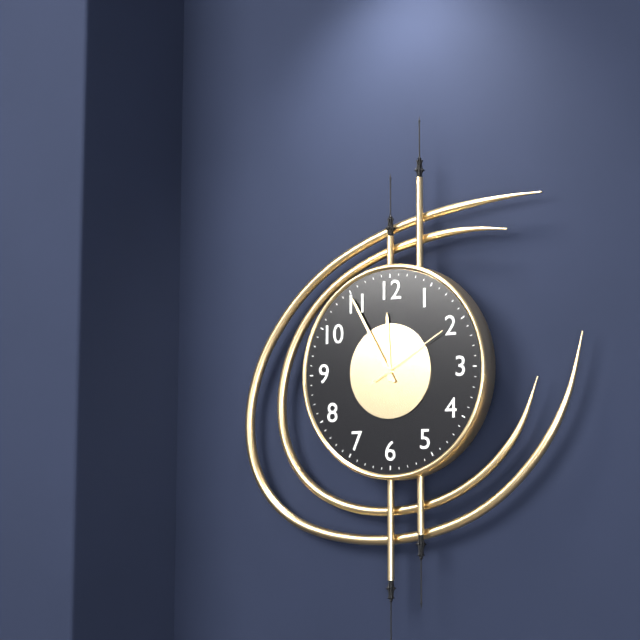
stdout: h=11 m=55 s=10
